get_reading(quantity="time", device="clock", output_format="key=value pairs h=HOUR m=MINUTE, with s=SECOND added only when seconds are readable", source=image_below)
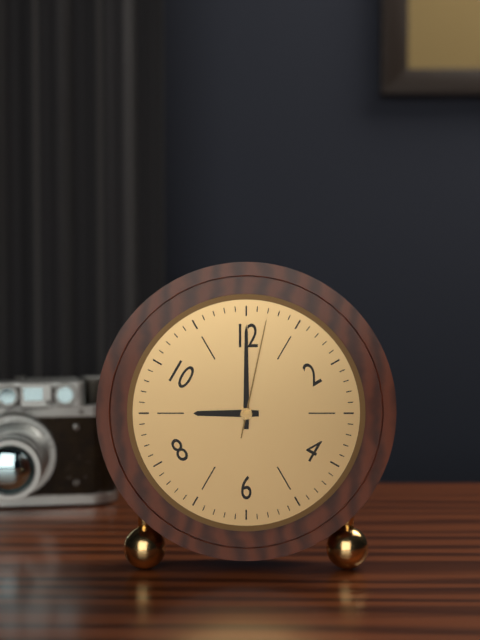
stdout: h=9 m=0 s=2
